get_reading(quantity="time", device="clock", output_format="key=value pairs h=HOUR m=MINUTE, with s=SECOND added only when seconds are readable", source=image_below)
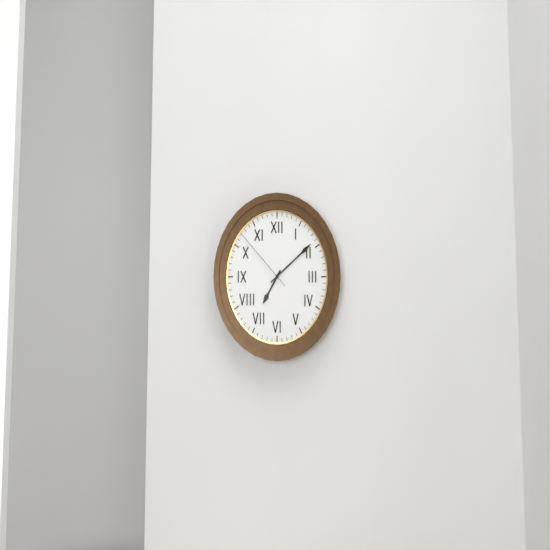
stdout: h=7 m=9 s=52
